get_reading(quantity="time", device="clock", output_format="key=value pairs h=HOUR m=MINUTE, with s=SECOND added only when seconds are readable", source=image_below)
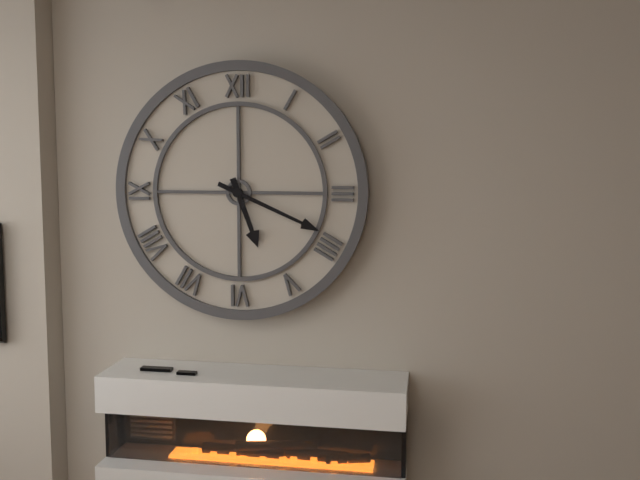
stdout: h=5 m=19
